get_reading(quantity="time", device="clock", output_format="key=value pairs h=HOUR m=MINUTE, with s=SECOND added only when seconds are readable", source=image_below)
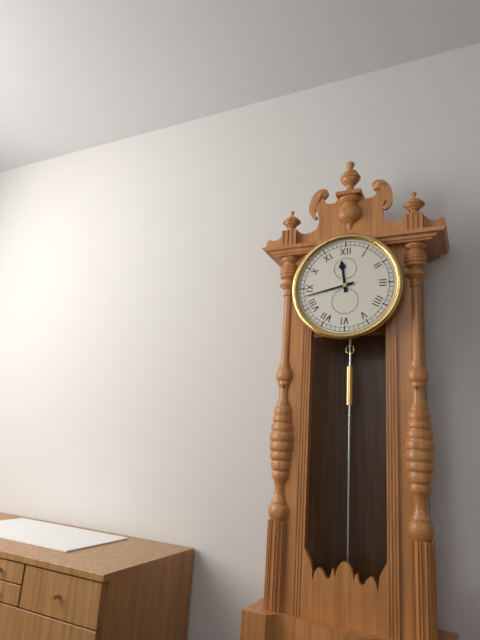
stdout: h=11 m=43
